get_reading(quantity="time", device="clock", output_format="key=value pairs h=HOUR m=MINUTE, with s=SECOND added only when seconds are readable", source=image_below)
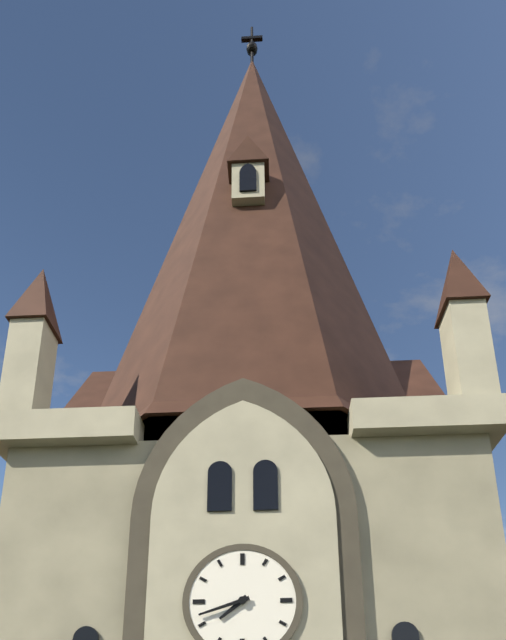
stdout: h=7 m=42
